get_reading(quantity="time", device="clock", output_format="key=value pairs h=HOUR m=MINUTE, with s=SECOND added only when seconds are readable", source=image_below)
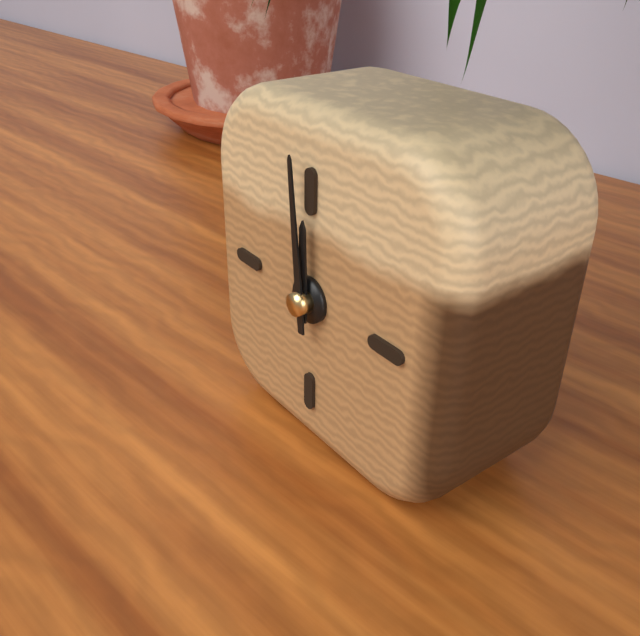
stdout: h=11 m=59
